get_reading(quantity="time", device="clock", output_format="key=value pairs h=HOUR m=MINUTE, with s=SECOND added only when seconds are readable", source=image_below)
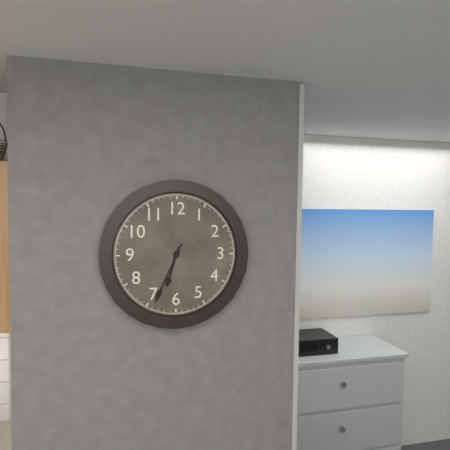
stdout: h=6 m=34
